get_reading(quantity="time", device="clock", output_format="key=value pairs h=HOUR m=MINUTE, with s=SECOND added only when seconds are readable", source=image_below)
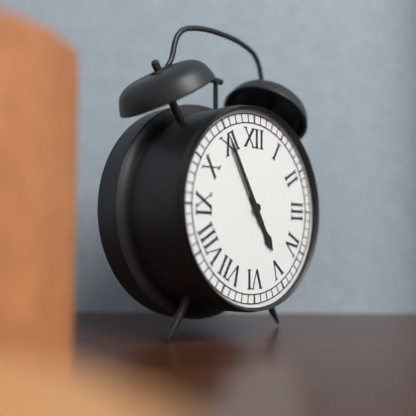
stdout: h=4 m=55
